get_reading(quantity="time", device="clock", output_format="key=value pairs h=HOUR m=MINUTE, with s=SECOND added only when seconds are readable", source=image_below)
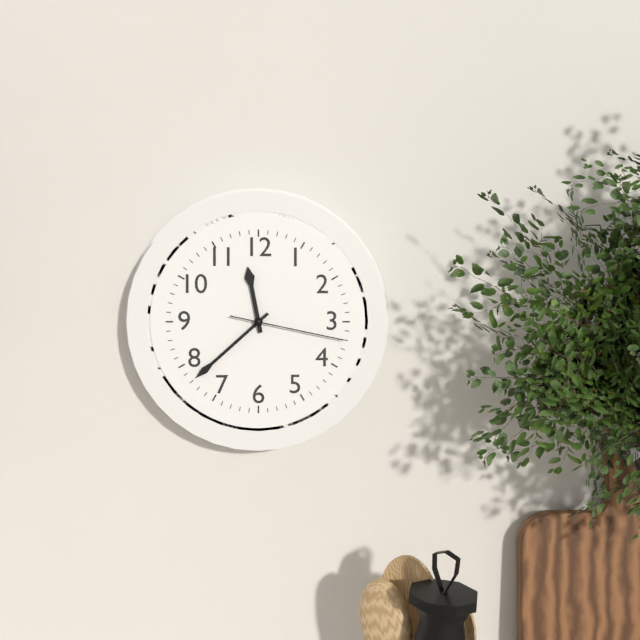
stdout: h=11 m=38 s=17
